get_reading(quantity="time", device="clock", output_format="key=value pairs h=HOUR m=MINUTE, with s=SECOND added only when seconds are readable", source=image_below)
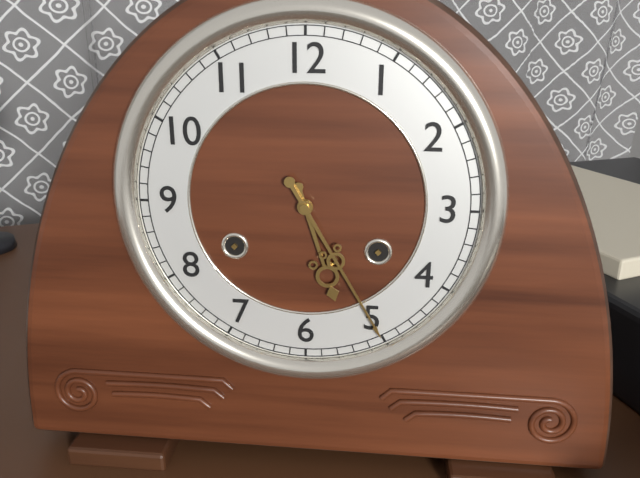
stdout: h=5 m=25
